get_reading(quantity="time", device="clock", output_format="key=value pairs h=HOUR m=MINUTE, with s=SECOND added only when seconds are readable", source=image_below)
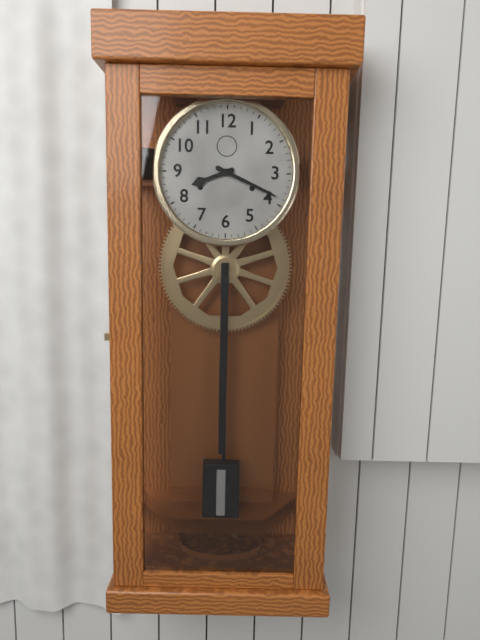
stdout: h=8 m=19
